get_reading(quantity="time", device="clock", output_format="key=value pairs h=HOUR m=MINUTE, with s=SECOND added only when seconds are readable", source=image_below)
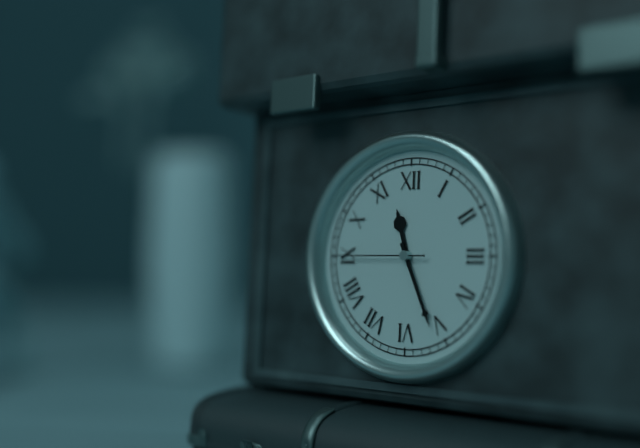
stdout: h=11 m=26 s=45
